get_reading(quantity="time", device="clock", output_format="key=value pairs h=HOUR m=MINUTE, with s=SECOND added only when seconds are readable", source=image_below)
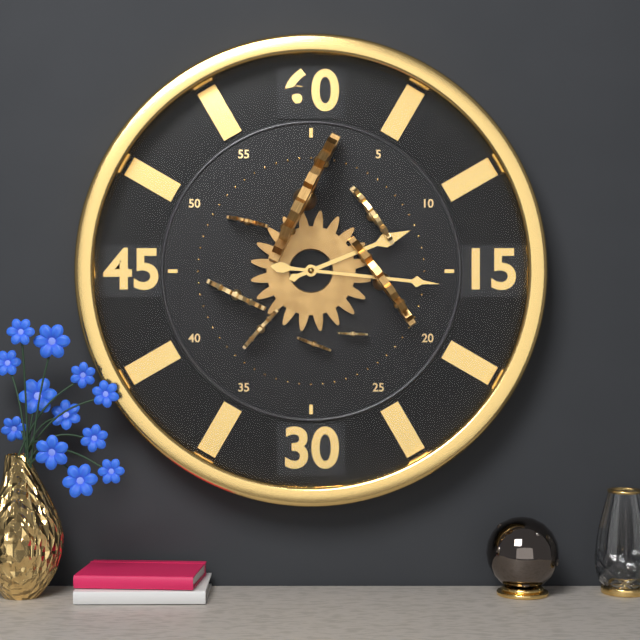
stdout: h=2 m=16
